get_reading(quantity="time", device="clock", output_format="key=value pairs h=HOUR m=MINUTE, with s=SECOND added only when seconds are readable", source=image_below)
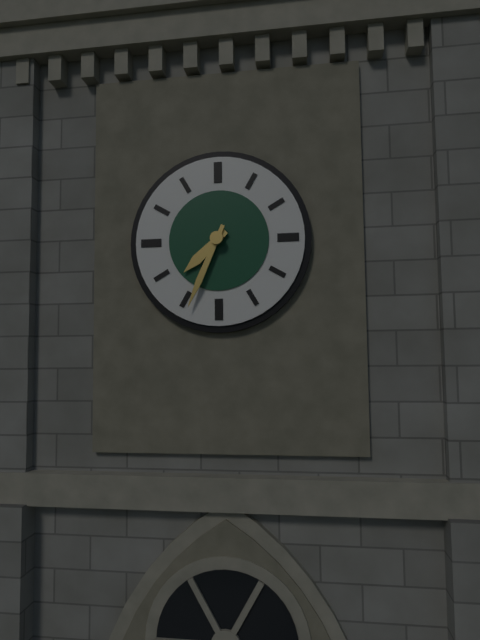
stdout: h=7 m=34
